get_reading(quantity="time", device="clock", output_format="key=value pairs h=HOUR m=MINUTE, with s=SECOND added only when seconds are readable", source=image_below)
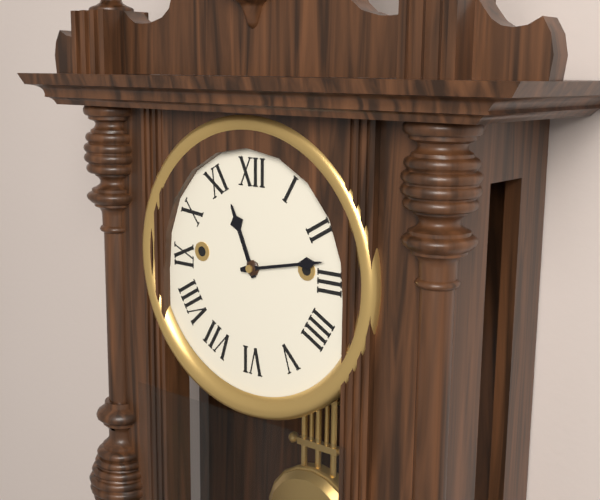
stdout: h=11 m=13
